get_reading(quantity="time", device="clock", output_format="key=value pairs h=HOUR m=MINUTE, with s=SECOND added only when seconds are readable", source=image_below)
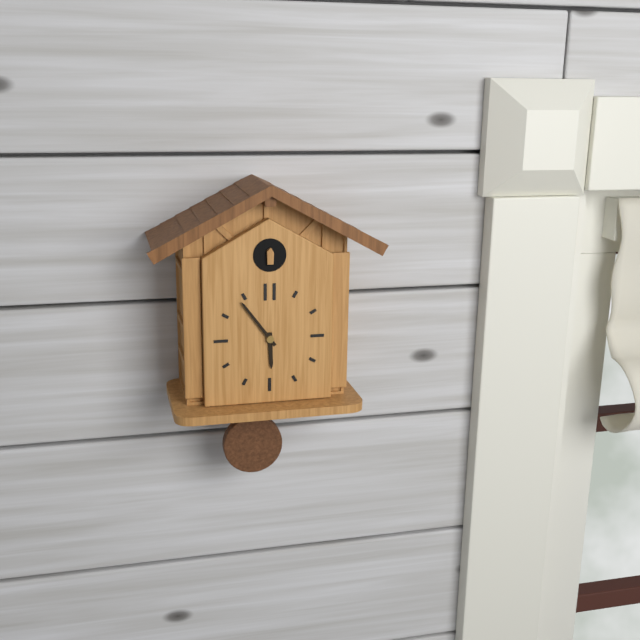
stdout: h=5 m=54
